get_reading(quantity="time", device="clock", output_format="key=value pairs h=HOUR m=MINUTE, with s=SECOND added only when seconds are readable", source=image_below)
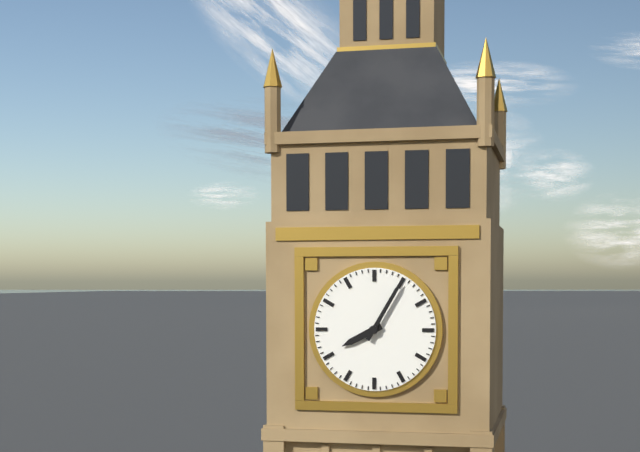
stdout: h=8 m=5
